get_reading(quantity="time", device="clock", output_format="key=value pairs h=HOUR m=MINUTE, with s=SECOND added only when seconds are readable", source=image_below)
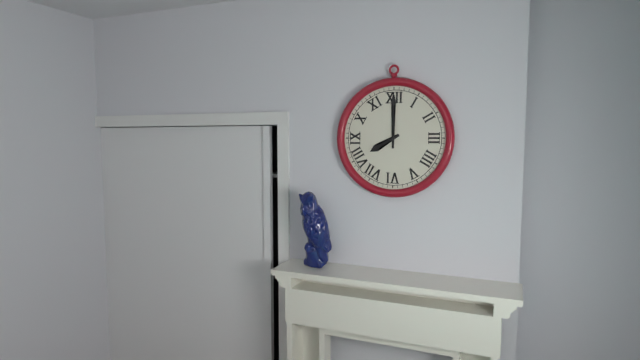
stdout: h=8 m=0
